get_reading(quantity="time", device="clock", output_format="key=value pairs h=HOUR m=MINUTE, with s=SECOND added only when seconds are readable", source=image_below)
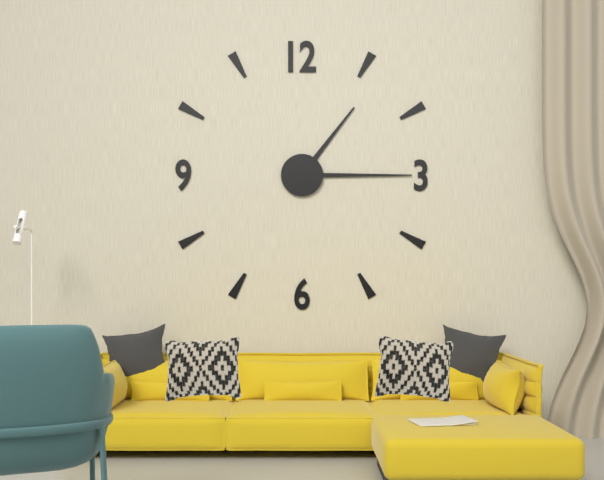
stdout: h=1 m=15
